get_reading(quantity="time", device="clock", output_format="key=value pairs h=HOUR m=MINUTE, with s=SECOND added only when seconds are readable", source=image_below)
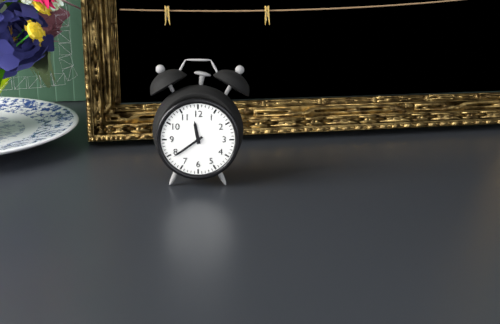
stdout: h=11 m=39
